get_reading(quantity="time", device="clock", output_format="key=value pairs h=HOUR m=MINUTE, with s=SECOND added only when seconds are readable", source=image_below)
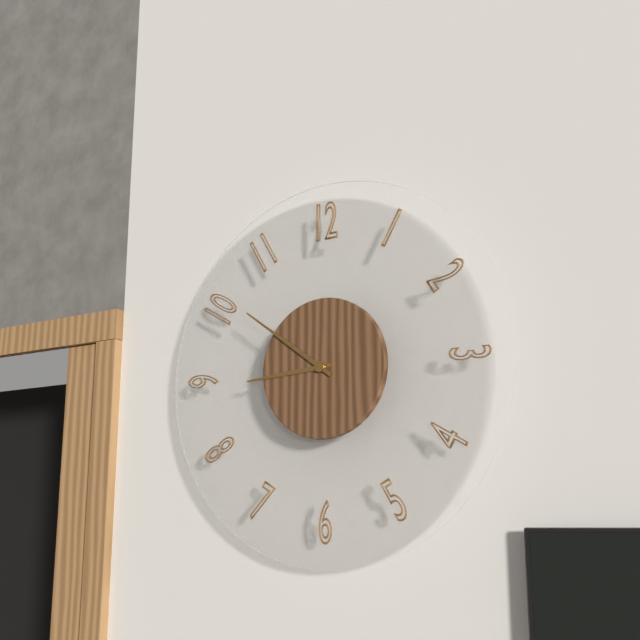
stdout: h=8 m=51
